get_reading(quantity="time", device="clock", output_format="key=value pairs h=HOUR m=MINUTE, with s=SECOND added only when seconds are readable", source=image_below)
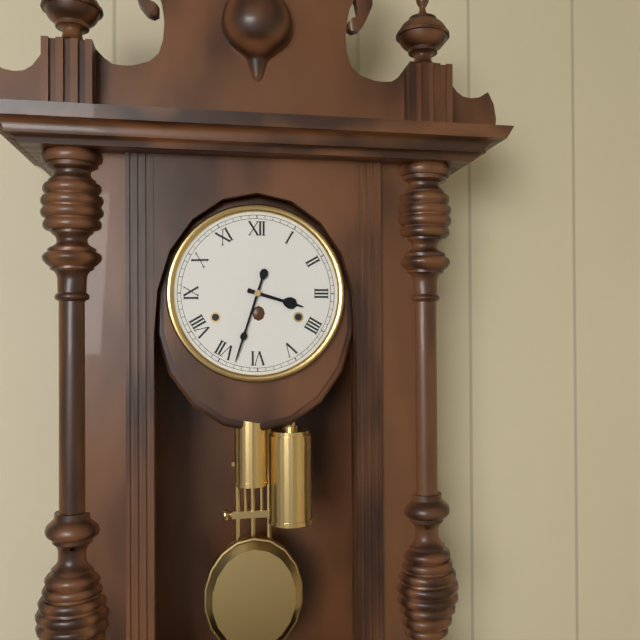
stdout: h=3 m=33
